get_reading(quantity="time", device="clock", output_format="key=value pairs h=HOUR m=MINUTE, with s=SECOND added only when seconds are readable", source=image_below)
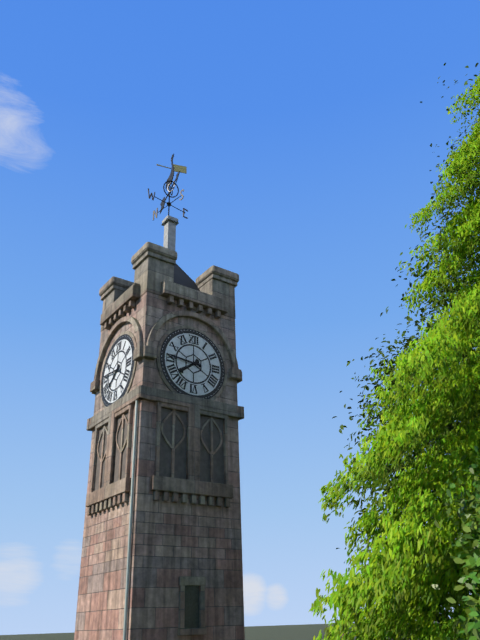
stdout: h=7 m=46
